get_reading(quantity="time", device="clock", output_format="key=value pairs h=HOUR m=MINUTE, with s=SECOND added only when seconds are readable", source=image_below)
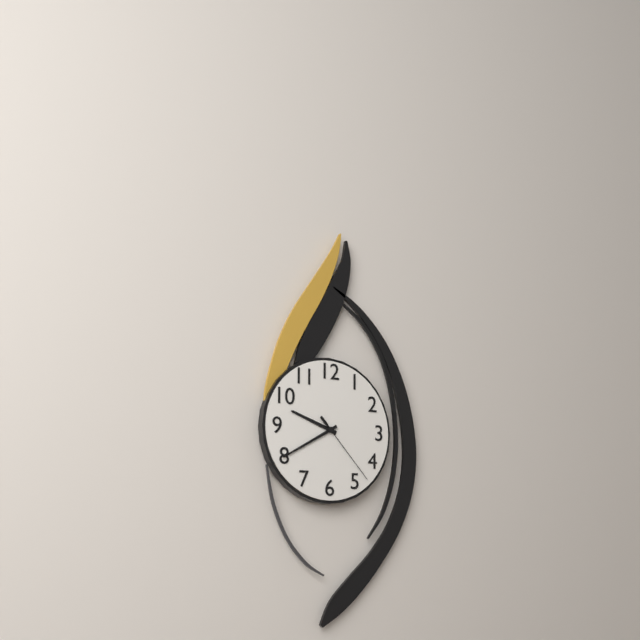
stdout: h=9 m=40 s=23
